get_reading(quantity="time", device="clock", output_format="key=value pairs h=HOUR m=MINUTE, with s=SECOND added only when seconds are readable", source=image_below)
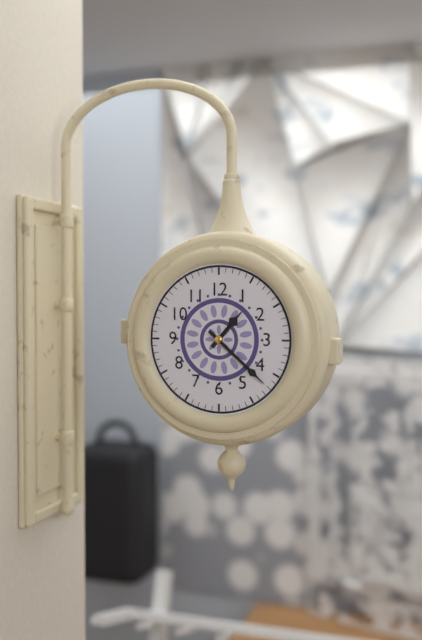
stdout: h=1 m=22
